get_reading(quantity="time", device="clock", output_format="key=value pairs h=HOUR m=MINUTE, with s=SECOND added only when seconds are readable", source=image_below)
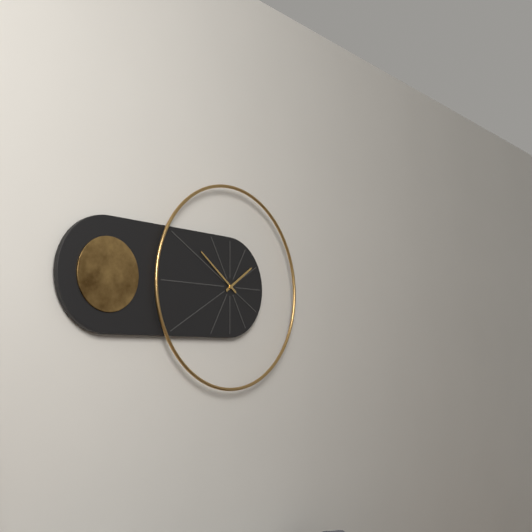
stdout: h=1 m=51
